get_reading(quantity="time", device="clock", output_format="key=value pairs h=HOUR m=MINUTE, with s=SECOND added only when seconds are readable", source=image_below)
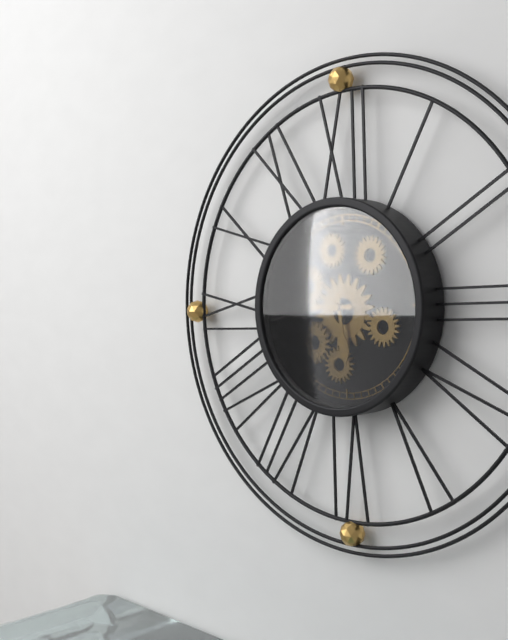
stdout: h=5 m=45
